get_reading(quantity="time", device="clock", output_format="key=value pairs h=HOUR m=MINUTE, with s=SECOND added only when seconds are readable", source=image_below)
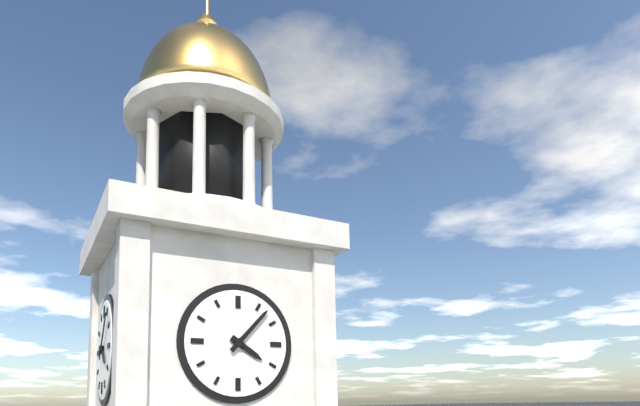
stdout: h=4 m=7
